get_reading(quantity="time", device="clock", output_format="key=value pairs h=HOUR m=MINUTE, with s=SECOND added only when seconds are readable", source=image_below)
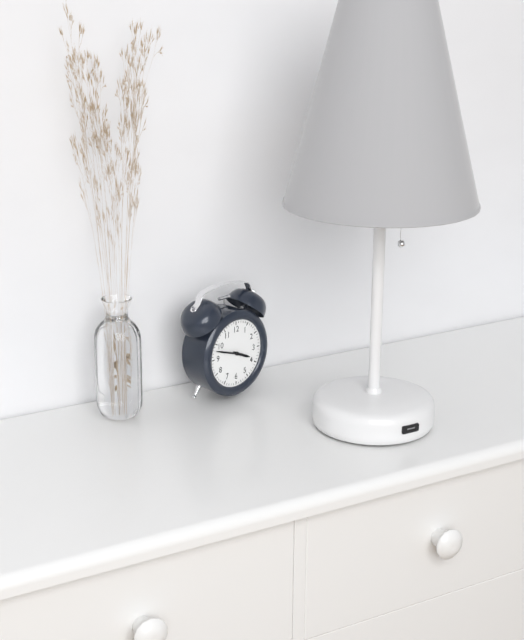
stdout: h=3 m=48
